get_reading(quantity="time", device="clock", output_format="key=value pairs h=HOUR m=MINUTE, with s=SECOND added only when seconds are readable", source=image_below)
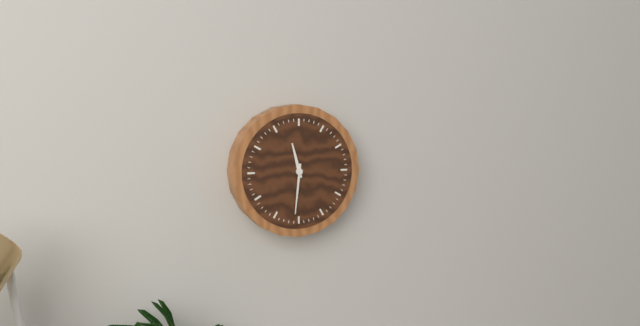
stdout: h=11 m=31
